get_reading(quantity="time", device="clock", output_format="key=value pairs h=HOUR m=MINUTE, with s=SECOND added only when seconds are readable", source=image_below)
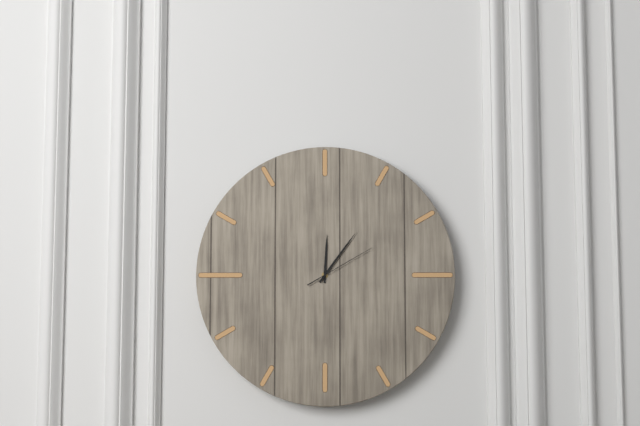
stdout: h=12 m=6 s=10
